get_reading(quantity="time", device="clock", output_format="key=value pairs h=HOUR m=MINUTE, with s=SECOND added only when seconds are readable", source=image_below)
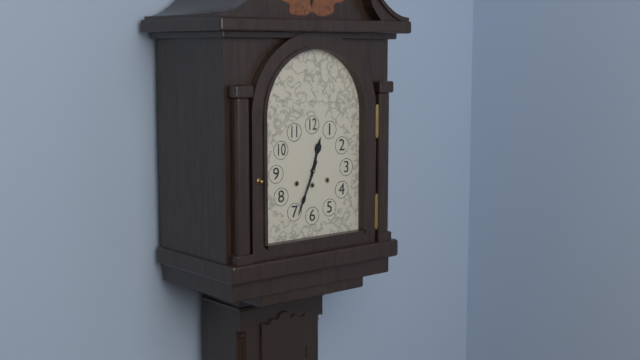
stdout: h=12 m=34
